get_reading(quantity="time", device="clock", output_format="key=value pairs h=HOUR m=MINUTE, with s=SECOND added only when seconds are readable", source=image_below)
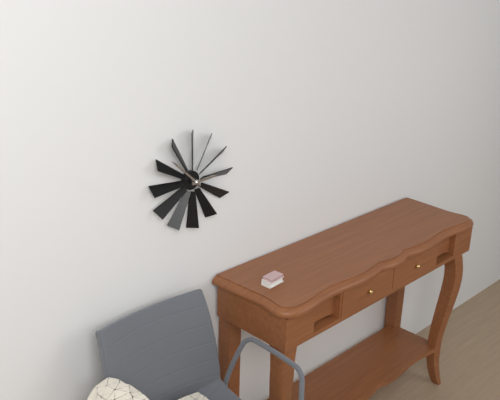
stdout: h=2 m=52
